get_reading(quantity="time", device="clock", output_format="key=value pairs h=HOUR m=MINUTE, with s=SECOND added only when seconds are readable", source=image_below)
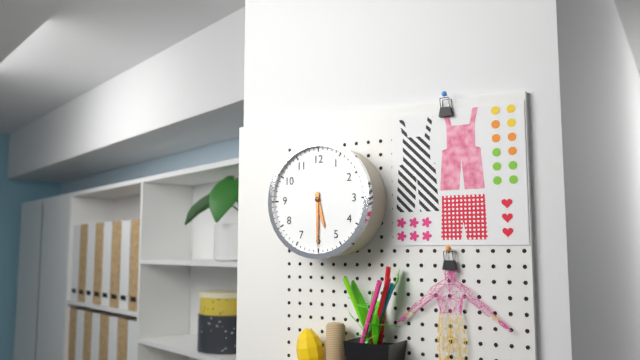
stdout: h=5 m=30
